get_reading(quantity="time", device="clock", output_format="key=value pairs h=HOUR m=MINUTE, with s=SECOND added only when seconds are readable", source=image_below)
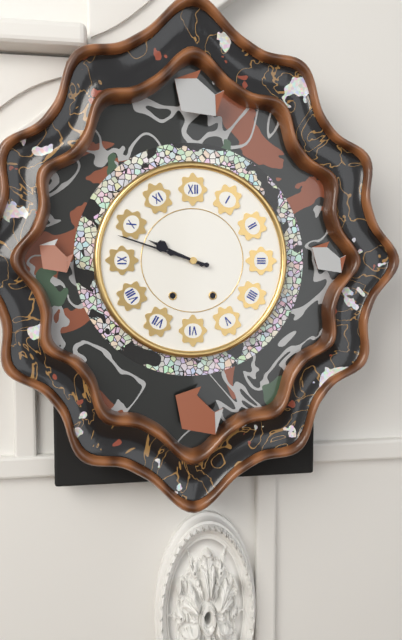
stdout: h=9 m=48
